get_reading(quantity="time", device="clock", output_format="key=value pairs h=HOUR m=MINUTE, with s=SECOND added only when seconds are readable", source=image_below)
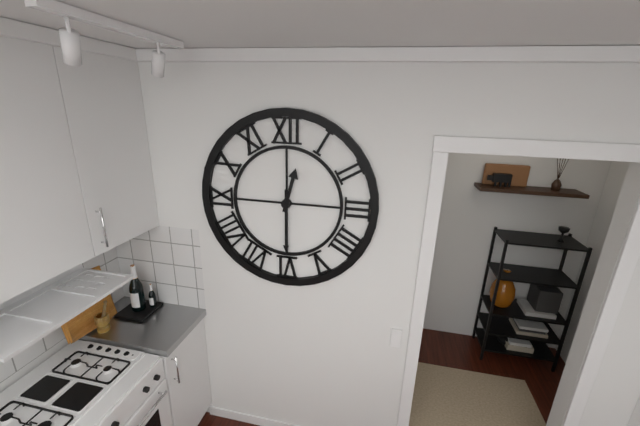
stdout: h=12 m=30
